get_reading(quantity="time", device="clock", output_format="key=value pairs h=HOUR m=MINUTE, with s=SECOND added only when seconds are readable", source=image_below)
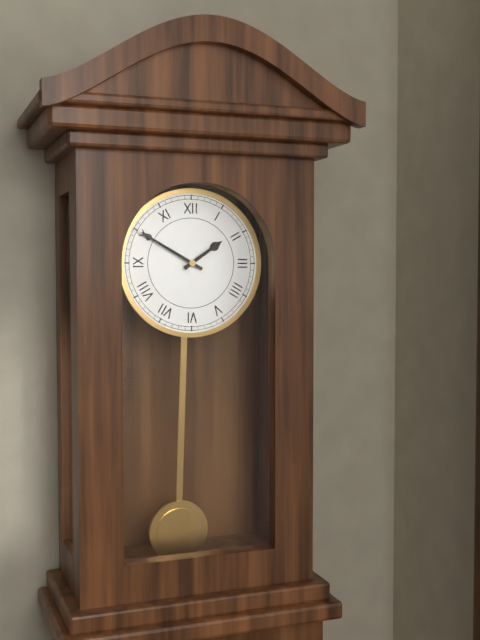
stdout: h=1 m=50
